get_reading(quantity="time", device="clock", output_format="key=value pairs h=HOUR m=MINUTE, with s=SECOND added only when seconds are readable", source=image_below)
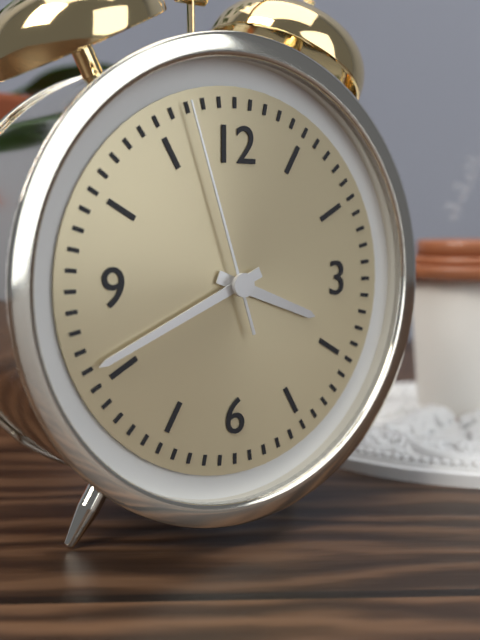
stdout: h=3 m=41 s=57
